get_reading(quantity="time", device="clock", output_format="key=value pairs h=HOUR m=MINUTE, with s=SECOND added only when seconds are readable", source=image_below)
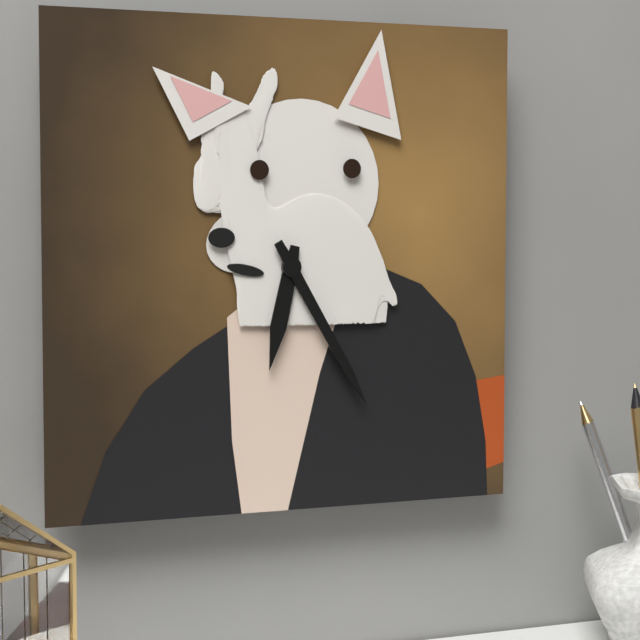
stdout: h=6 m=25
